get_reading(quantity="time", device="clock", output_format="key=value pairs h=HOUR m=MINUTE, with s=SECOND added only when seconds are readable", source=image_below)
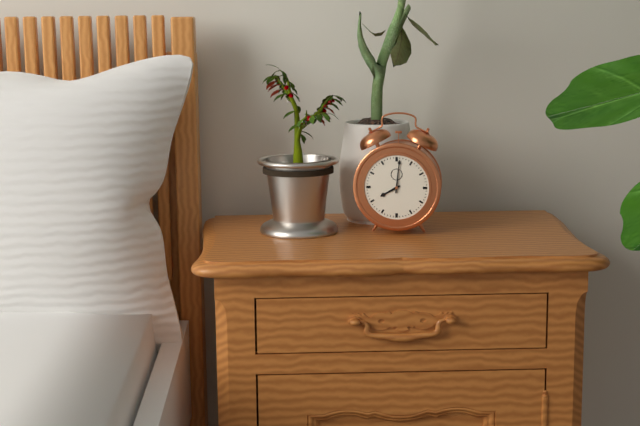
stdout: h=8 m=1
